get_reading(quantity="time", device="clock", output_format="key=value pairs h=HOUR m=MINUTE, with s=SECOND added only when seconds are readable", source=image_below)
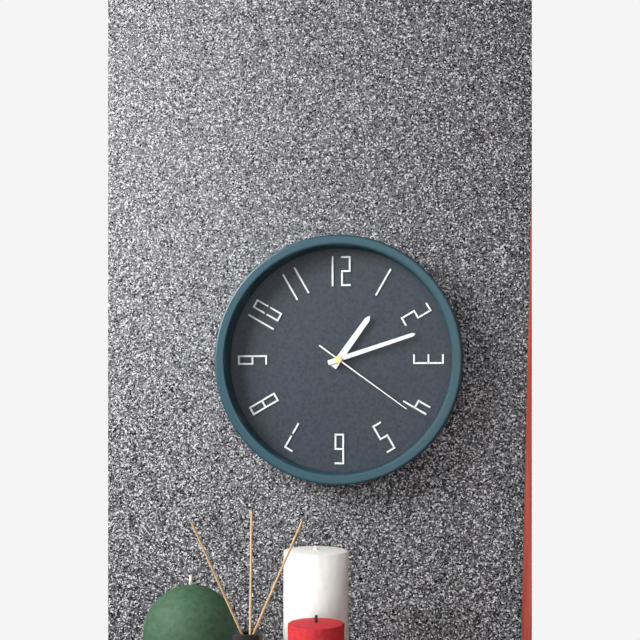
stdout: h=1 m=12 s=21
